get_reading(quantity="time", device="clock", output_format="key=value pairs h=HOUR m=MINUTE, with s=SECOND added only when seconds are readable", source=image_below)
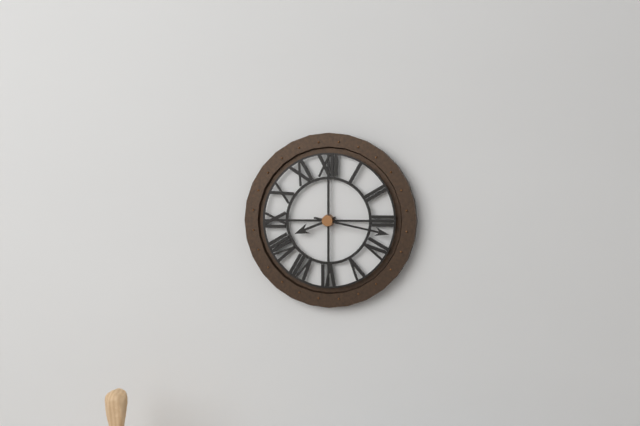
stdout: h=8 m=17
